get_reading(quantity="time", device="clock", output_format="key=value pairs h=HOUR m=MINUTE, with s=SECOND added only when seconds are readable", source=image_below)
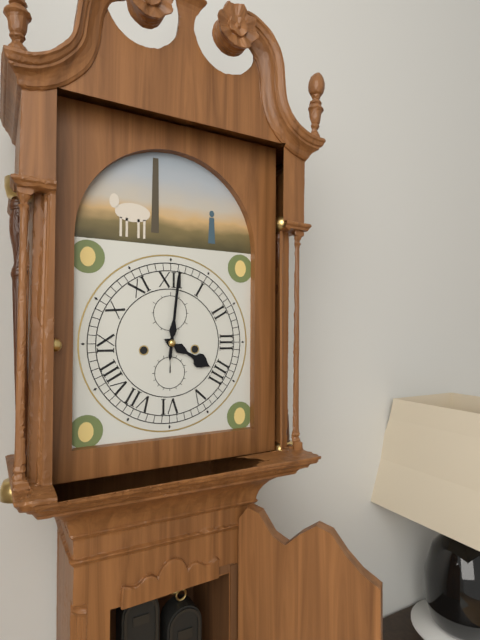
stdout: h=4 m=1
